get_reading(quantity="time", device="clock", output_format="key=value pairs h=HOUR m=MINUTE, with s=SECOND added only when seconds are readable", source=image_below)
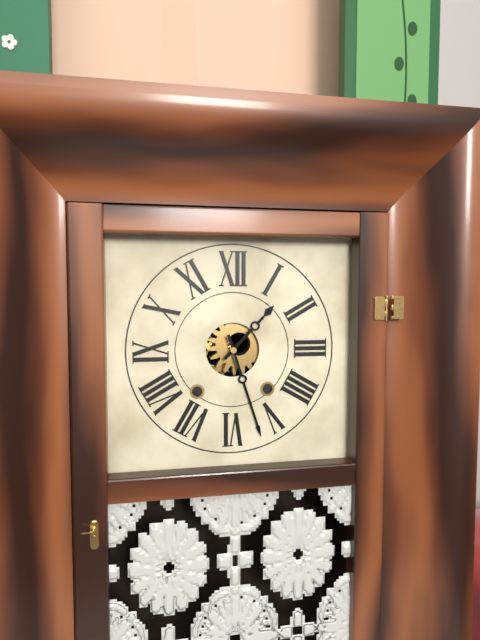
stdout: h=1 m=27
